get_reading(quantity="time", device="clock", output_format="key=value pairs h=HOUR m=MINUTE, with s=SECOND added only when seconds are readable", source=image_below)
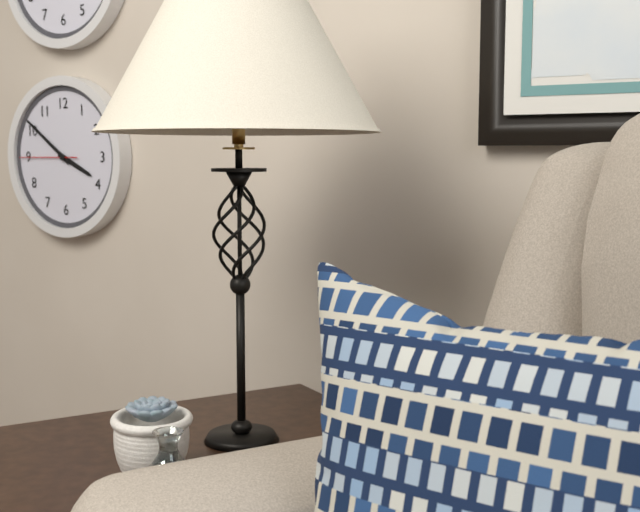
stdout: h=3 m=51 s=45
